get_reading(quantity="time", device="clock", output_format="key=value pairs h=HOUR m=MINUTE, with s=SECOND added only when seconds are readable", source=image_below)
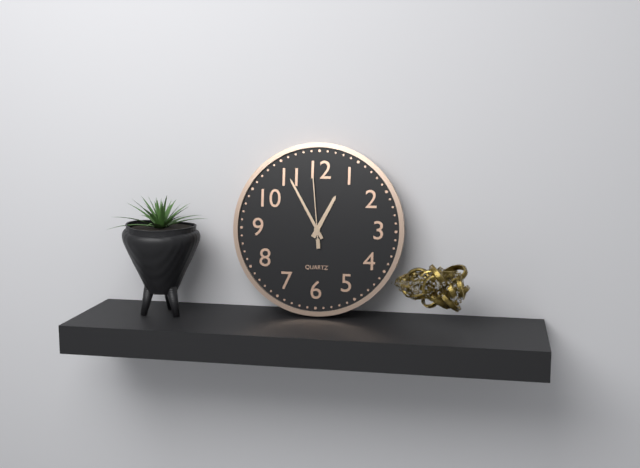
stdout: h=12 m=55 s=59
